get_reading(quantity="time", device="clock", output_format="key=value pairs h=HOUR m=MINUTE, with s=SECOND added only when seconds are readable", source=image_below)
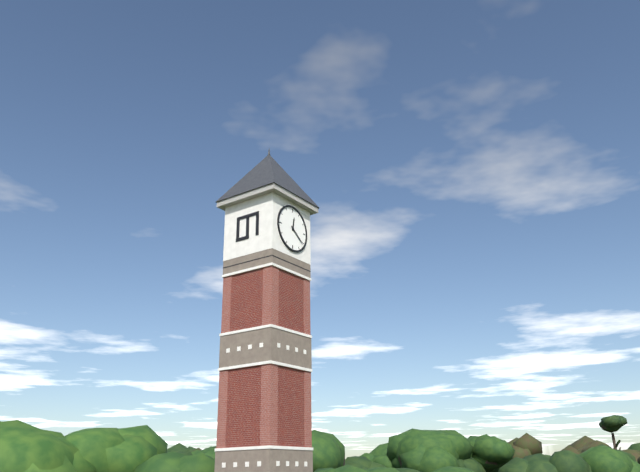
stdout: h=12 m=21
